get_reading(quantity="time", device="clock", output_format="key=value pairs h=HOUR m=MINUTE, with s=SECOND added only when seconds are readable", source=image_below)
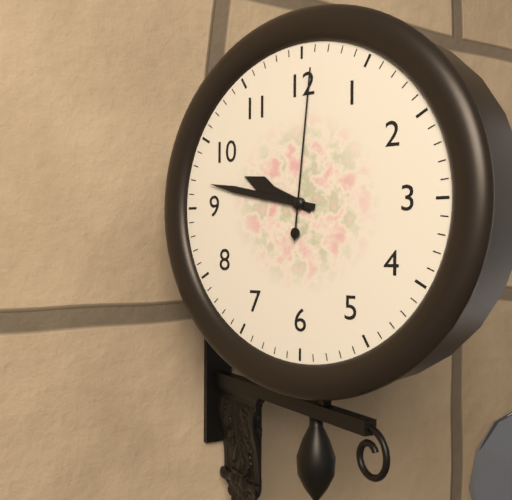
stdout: h=9 m=47 s=1
